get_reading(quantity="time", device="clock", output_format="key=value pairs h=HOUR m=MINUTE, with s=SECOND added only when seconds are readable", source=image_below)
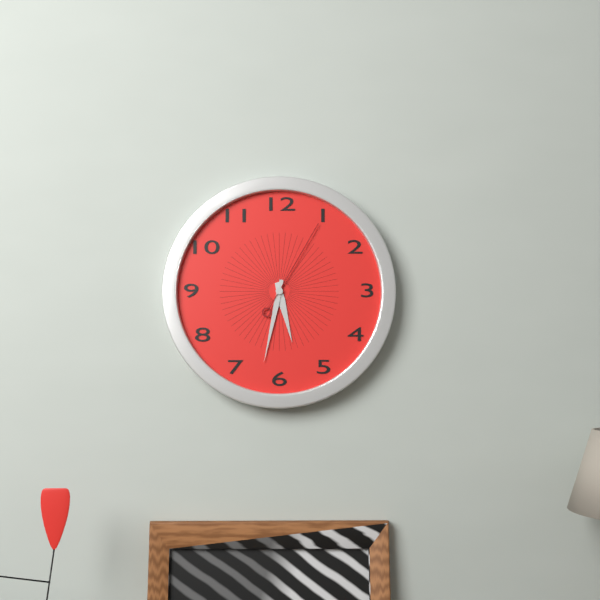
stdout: h=5 m=32 s=5
